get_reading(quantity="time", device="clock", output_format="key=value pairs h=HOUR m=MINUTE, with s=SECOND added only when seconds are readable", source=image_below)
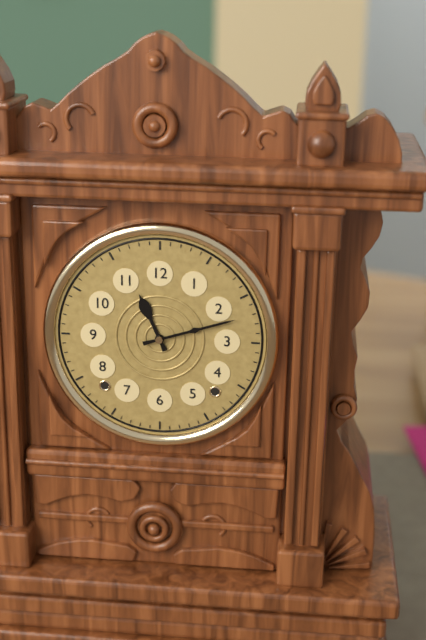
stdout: h=11 m=12
